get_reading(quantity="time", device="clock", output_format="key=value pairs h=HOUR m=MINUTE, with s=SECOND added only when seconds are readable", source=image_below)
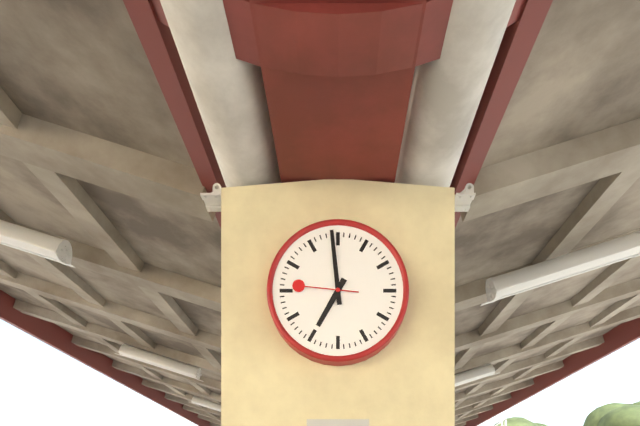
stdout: h=6 m=59 s=46
